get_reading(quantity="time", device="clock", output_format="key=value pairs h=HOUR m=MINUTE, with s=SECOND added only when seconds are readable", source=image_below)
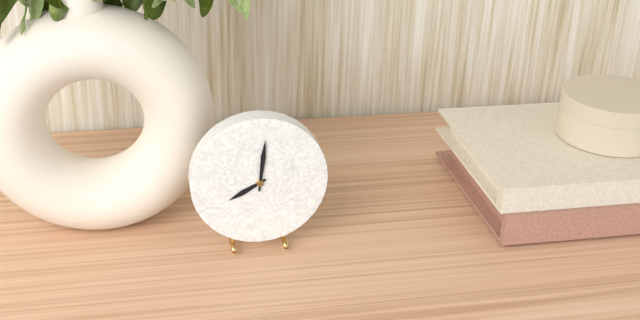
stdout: h=8 m=1
